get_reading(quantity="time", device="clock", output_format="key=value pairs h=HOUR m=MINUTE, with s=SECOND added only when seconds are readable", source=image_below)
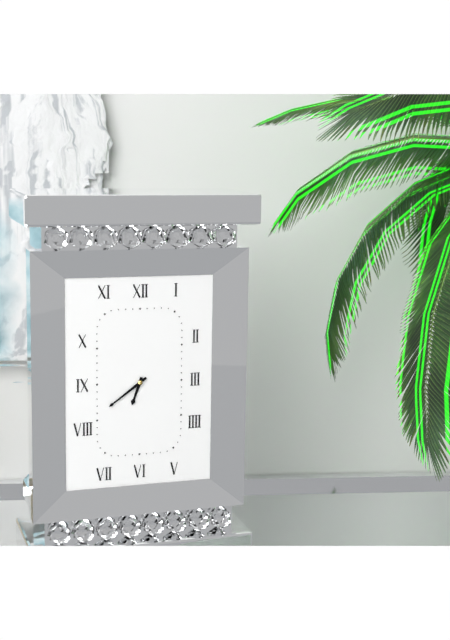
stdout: h=6 m=39
